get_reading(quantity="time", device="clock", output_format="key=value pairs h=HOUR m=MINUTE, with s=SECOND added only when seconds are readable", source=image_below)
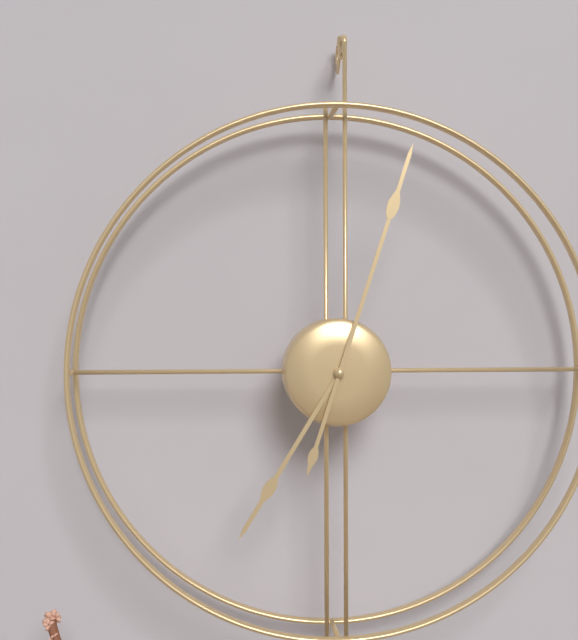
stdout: h=7 m=3
